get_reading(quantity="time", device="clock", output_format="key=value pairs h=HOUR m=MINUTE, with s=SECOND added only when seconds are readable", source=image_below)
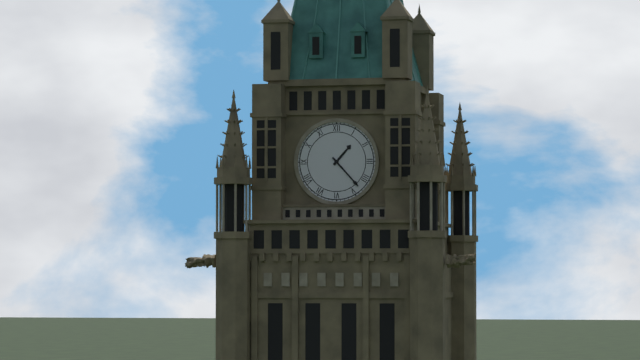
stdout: h=1 m=23
